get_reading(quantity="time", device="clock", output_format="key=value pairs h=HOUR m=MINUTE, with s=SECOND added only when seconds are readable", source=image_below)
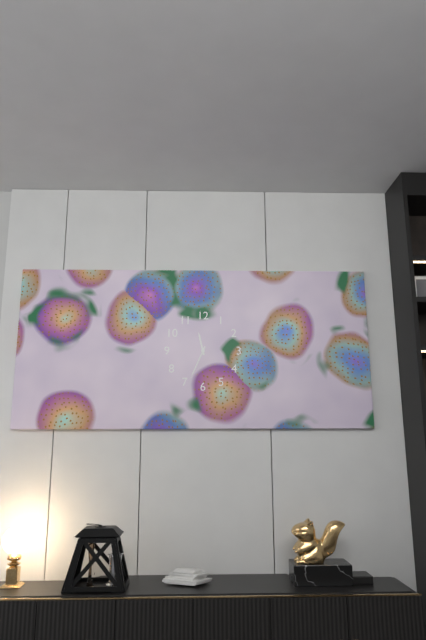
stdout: h=11 m=34
